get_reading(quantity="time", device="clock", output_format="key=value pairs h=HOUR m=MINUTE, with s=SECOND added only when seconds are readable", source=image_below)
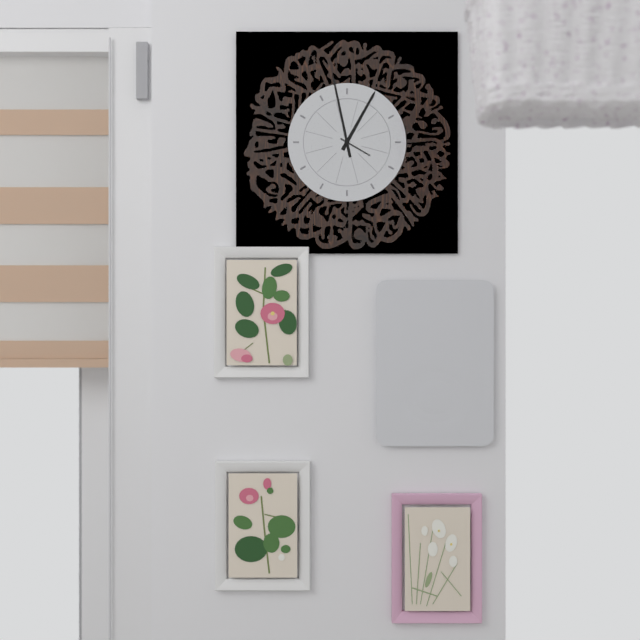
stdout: h=12 m=58
